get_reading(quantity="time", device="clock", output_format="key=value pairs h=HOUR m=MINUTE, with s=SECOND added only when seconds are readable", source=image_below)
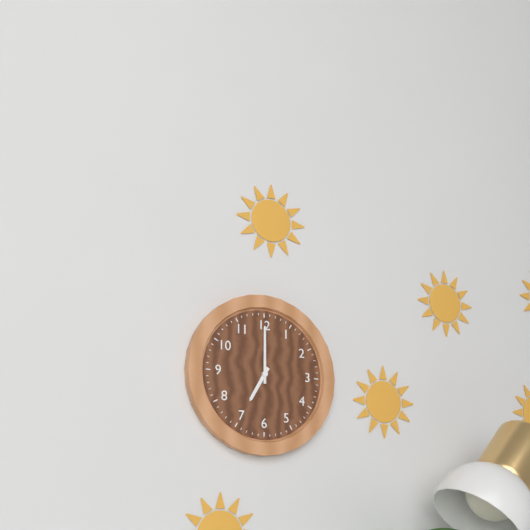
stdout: h=7 m=0
